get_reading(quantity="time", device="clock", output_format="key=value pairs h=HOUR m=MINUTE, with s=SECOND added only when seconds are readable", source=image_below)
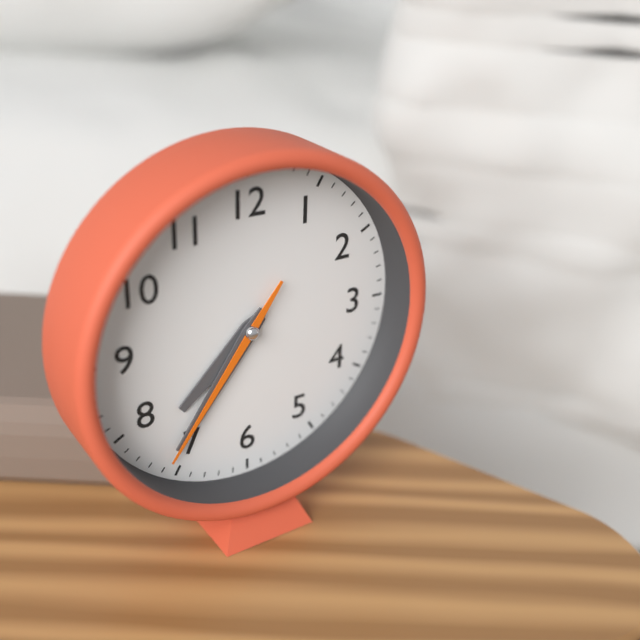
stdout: h=7 m=36 s=36
